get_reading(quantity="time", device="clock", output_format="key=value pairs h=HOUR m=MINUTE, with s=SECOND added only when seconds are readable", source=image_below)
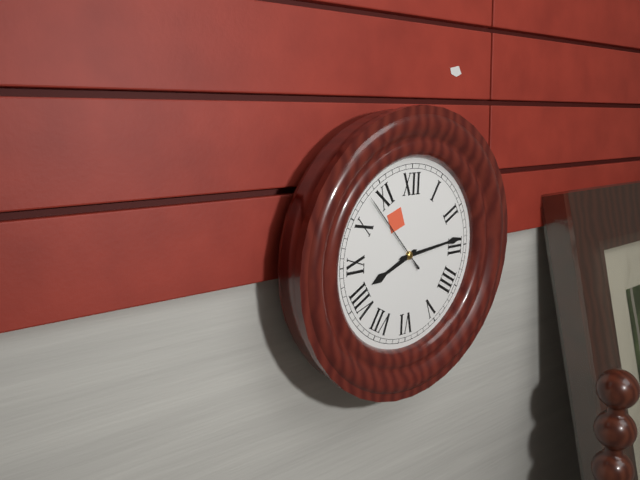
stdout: h=8 m=14 s=53
